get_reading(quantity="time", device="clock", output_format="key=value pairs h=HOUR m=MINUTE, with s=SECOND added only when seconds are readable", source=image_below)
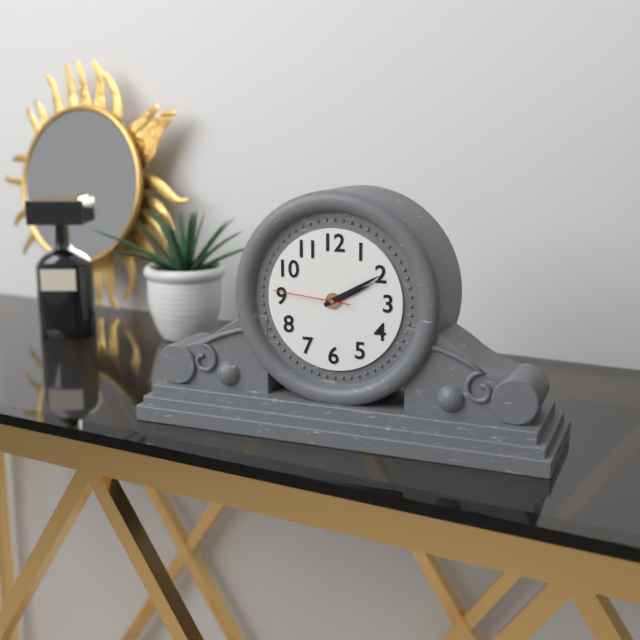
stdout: h=2 m=10 s=46
